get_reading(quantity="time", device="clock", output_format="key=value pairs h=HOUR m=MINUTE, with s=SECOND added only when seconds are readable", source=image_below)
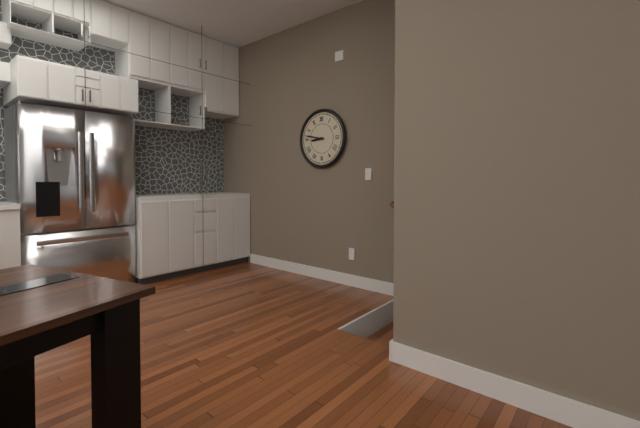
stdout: h=8 m=47
